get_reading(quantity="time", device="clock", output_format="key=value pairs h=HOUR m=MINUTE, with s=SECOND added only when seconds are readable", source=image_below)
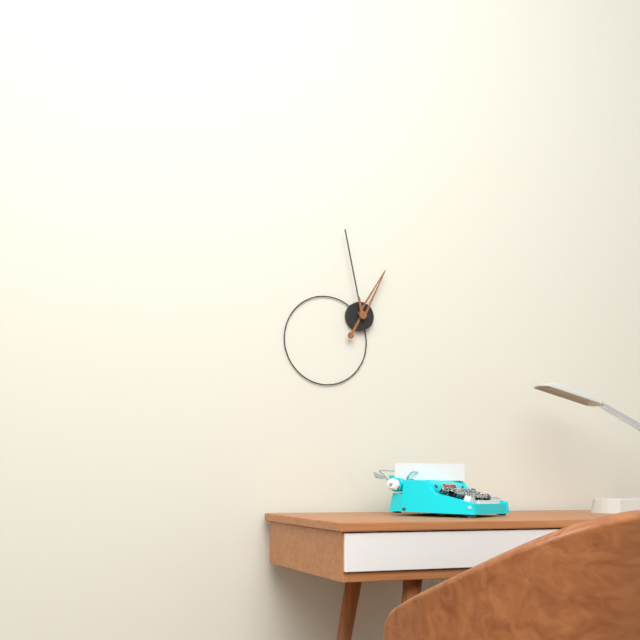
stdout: h=12 m=58
